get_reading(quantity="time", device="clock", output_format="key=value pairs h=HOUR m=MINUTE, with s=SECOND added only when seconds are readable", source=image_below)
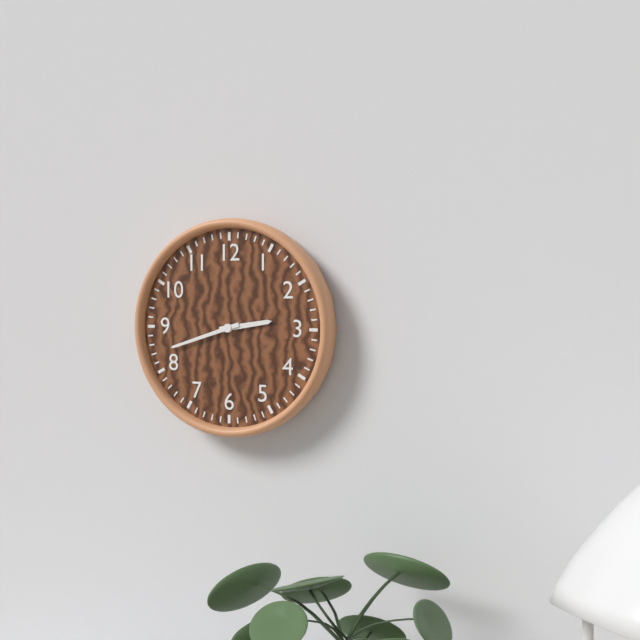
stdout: h=2 m=42
